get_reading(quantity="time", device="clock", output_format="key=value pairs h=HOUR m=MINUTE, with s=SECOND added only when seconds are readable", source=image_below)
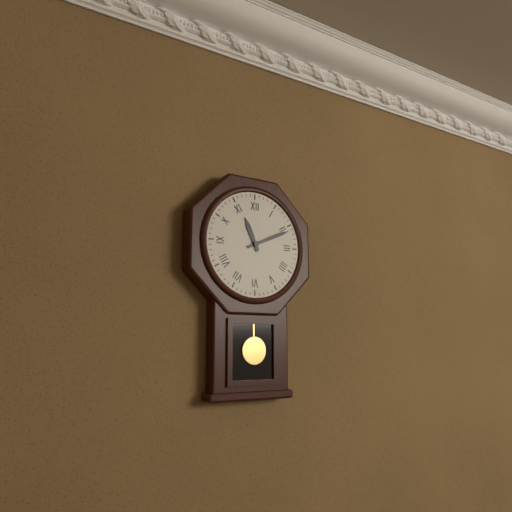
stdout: h=11 m=11
